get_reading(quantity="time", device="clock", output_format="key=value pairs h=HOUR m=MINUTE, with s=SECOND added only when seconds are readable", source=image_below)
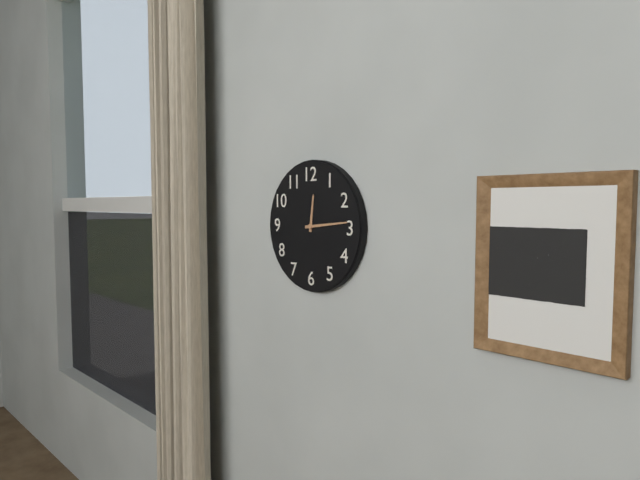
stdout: h=12 m=14
